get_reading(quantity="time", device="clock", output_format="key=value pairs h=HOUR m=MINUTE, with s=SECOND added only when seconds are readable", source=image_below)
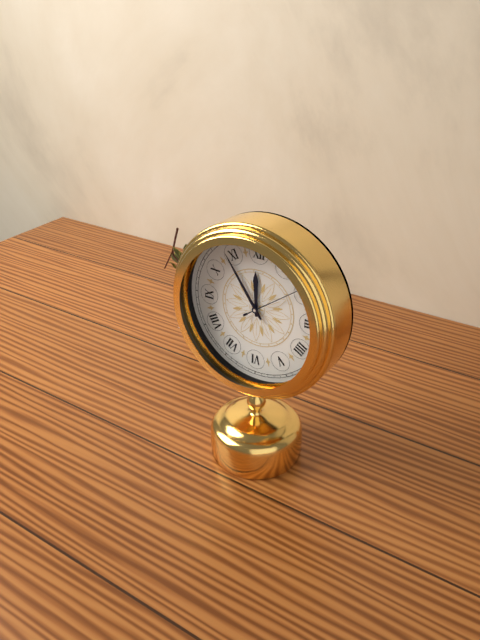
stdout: h=11 m=54 s=9
